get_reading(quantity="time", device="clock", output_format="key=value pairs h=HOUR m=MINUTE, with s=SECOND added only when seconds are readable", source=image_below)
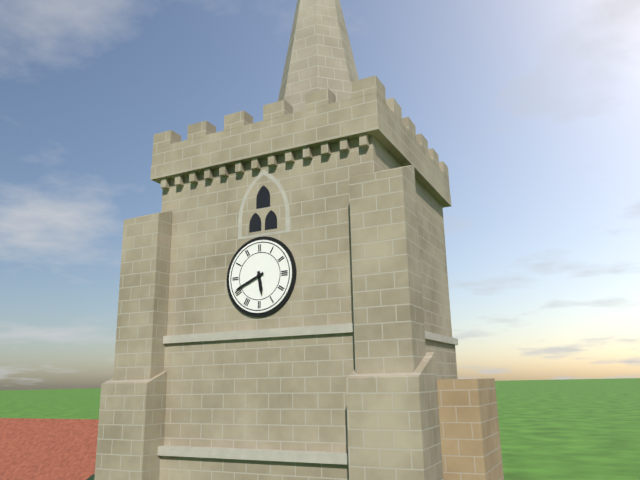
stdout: h=5 m=41
